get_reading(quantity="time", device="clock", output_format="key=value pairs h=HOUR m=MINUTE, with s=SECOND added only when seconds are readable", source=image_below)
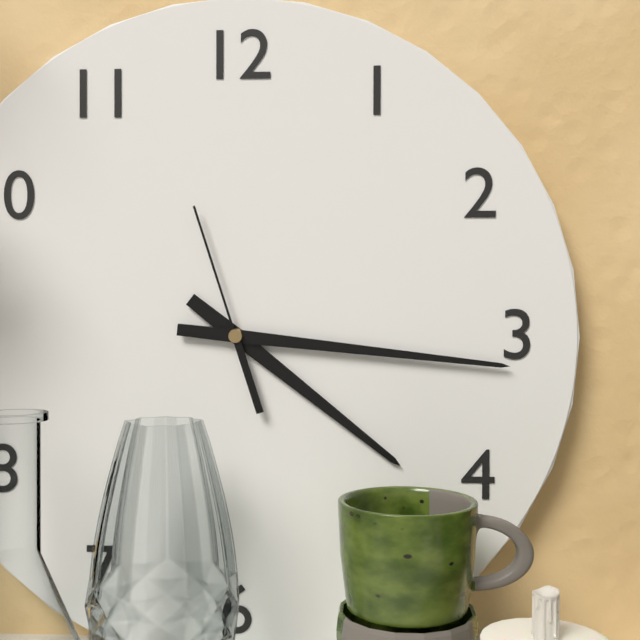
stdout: h=4 m=16 s=57
